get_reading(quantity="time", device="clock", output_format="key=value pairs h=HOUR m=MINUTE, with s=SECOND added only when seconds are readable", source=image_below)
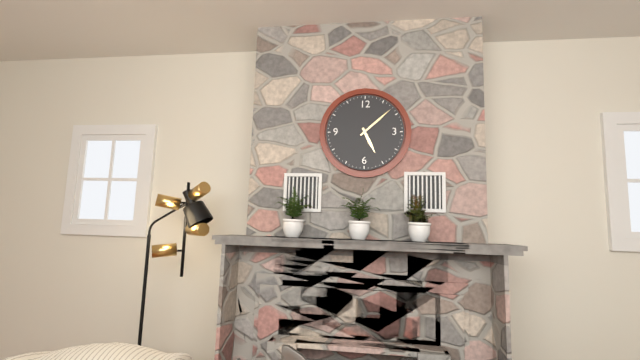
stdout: h=5 m=8
